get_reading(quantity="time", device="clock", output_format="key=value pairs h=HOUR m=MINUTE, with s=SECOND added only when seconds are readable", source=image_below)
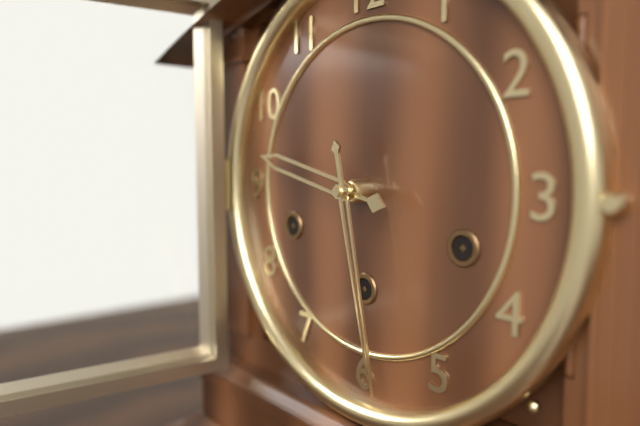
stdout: h=9 m=28
